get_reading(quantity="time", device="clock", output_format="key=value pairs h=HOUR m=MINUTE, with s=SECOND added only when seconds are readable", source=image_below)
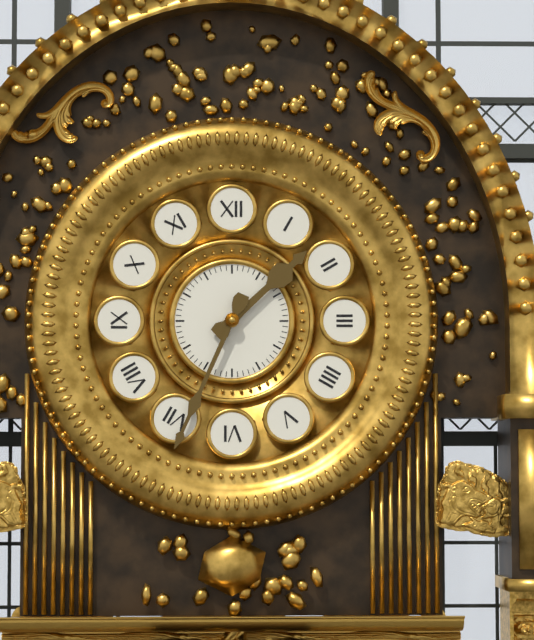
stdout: h=1 m=34
